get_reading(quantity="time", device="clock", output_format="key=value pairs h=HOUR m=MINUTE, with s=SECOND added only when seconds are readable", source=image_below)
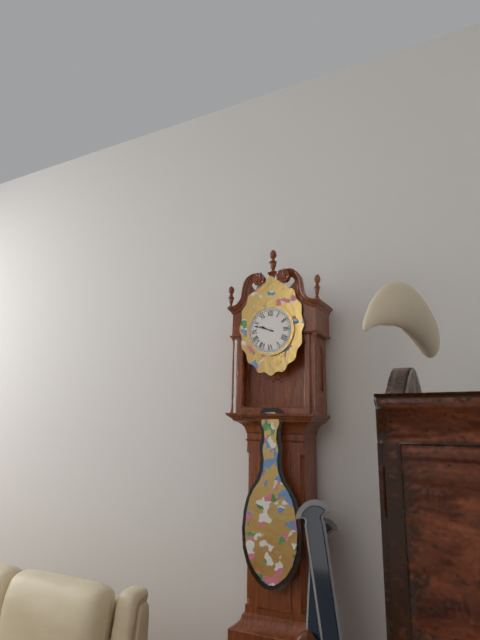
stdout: h=9 m=48
